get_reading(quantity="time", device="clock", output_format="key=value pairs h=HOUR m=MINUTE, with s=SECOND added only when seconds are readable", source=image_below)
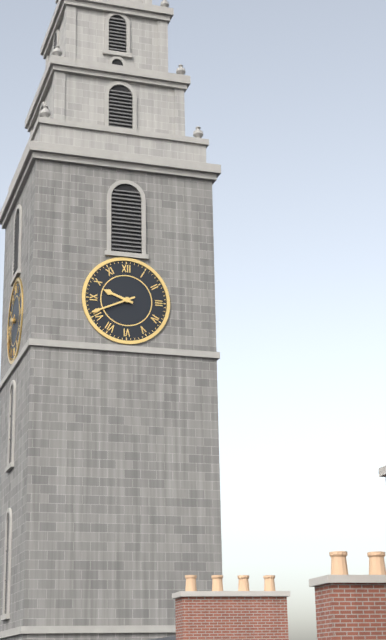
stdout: h=9 m=41
